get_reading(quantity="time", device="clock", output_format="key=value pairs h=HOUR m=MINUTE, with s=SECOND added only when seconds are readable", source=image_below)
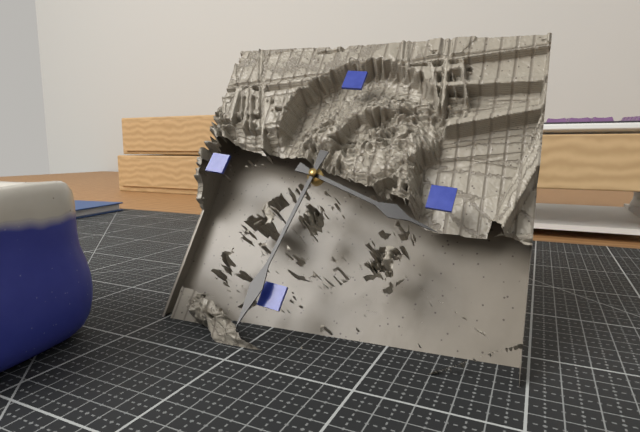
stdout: h=3 m=31
